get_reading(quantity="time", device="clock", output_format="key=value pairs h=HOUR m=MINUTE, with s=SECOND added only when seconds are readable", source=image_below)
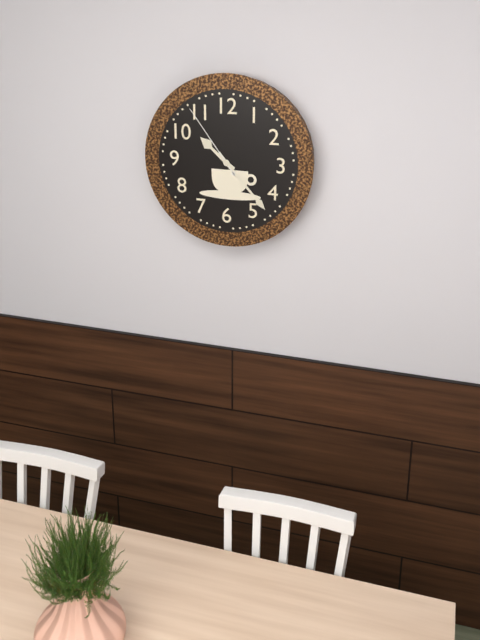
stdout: h=10 m=23 s=54
